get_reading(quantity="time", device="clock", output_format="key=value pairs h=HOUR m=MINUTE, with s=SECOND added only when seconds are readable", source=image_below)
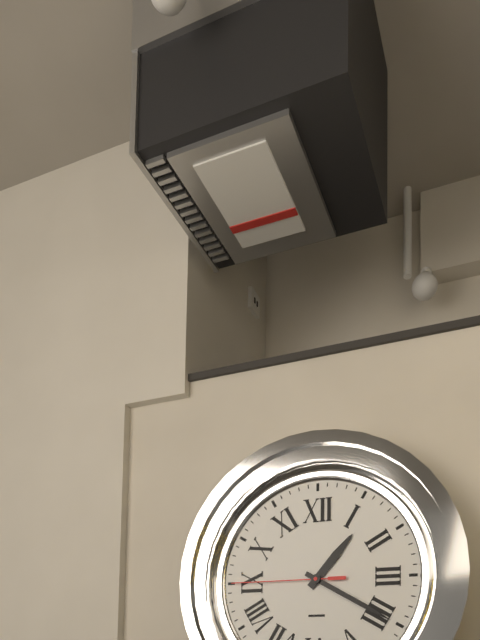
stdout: h=1 m=20 s=45
